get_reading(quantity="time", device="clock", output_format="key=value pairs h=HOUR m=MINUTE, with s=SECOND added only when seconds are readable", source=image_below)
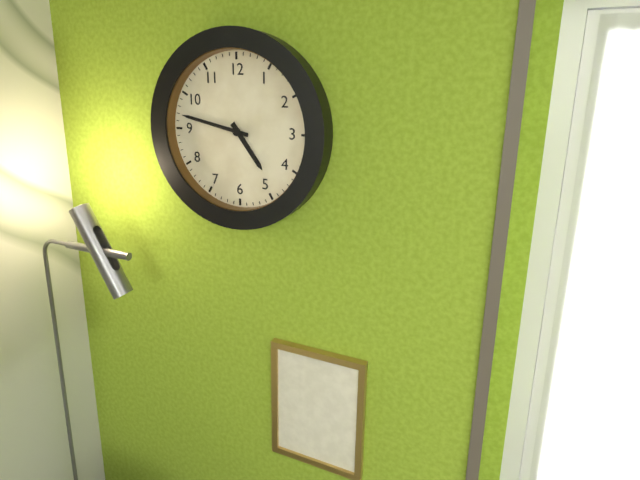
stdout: h=4 m=47
